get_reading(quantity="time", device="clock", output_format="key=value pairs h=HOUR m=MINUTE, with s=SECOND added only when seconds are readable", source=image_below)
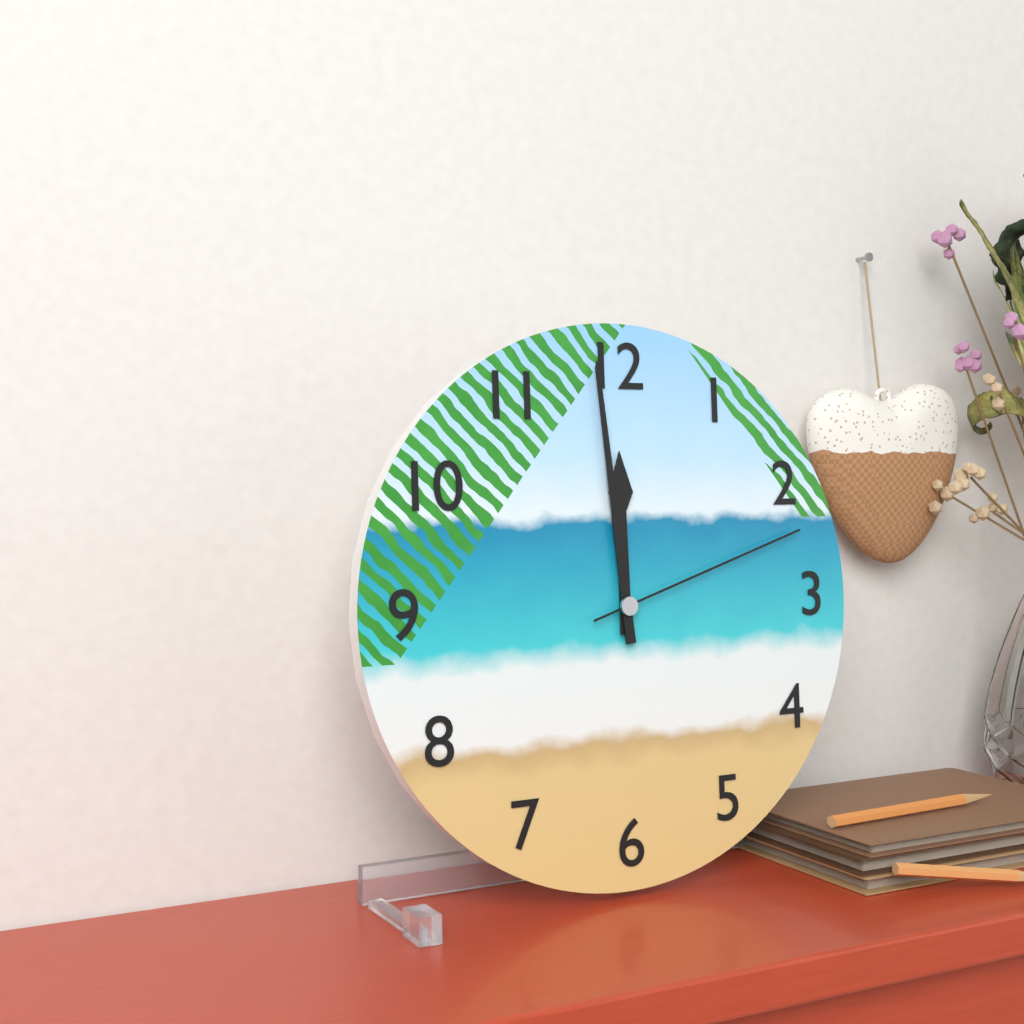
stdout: h=11 m=59 s=12
